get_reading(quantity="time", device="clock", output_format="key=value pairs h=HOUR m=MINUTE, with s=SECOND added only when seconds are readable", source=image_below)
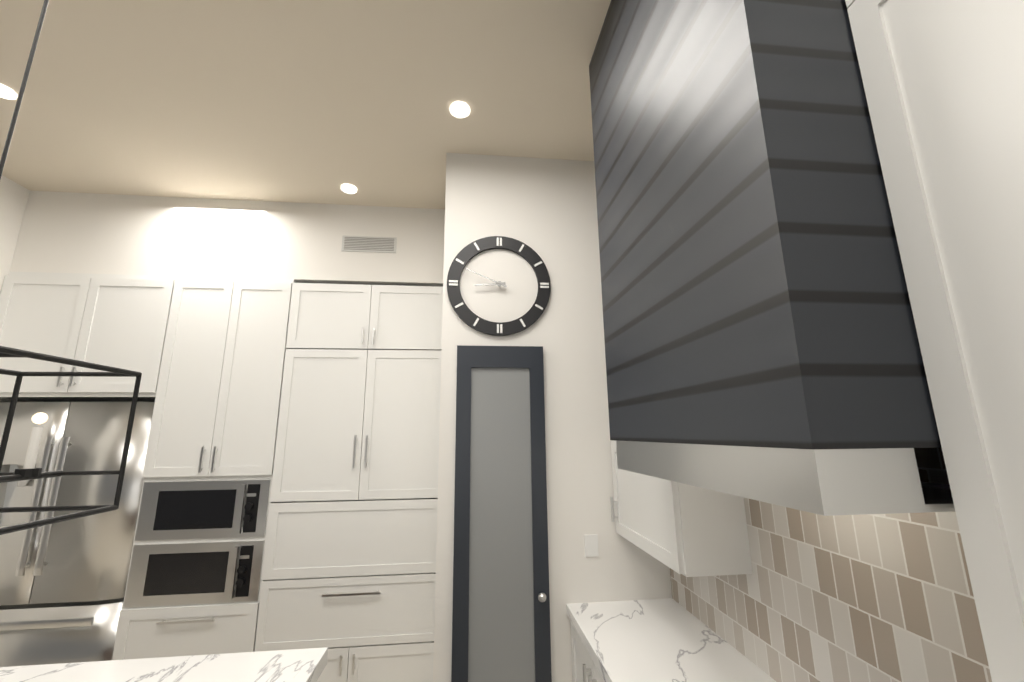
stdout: h=8 m=49
